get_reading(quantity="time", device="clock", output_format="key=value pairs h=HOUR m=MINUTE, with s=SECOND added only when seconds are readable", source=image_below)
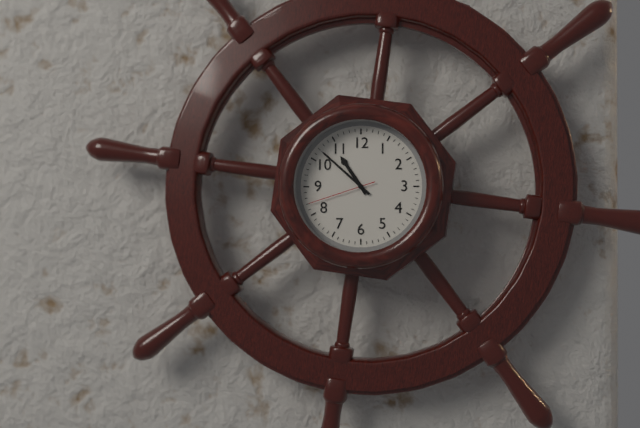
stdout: h=10 m=52 s=42
